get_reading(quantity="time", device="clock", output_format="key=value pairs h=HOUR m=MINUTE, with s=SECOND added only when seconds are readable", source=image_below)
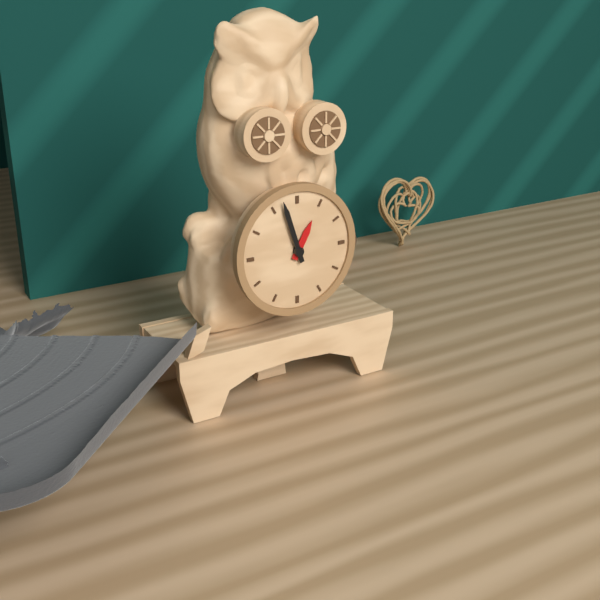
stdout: h=12 m=57
